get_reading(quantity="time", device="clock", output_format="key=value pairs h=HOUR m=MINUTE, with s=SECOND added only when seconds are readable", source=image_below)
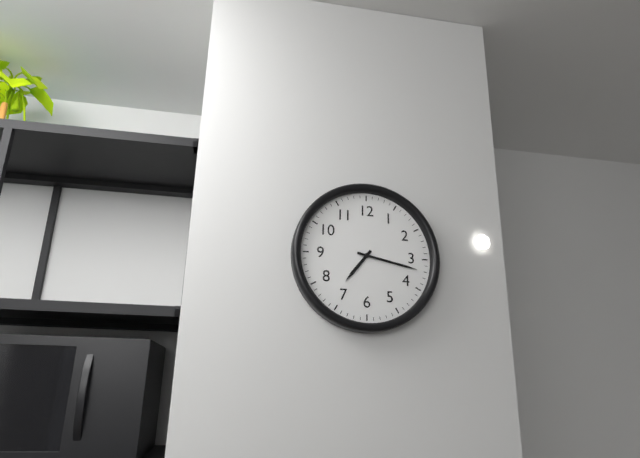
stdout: h=7 m=17
